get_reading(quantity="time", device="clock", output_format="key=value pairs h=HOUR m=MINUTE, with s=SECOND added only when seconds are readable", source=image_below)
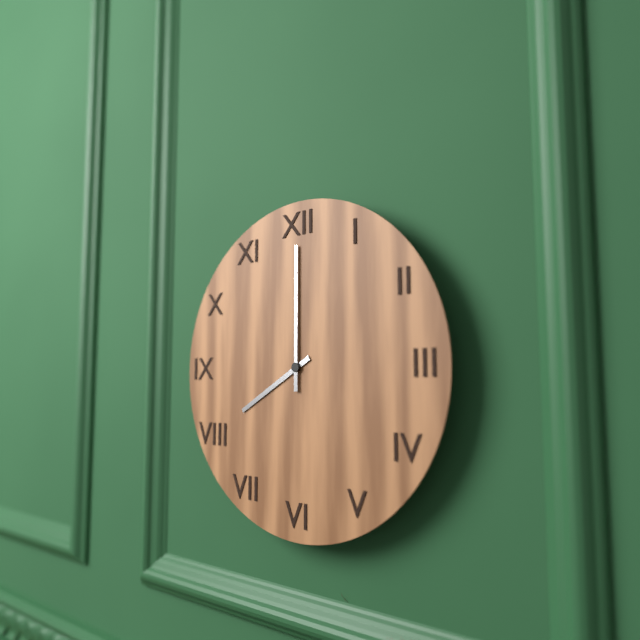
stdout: h=8 m=0
